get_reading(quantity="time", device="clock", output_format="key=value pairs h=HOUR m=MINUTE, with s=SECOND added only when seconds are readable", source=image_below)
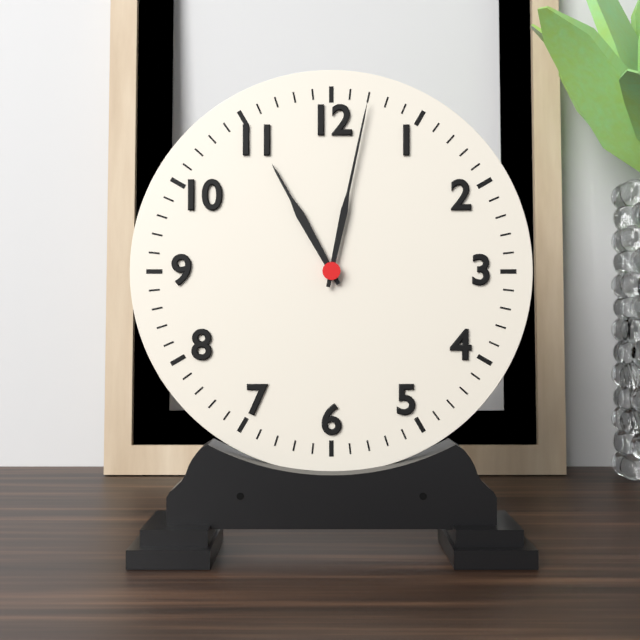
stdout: h=11 m=2
